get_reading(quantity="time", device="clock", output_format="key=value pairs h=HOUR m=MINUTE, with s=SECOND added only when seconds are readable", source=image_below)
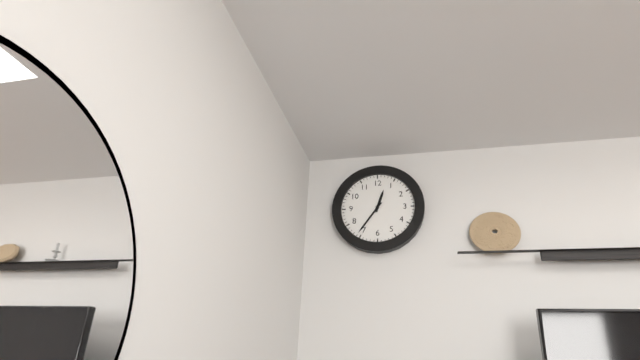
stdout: h=12 m=36
